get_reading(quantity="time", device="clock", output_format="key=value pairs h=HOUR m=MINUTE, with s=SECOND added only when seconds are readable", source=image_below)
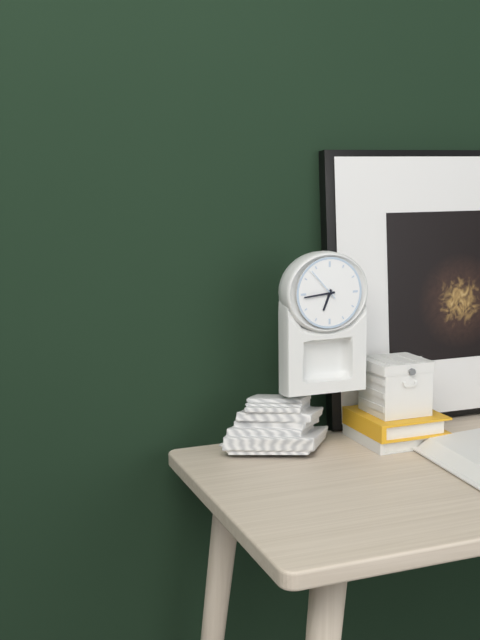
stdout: h=6 m=44
